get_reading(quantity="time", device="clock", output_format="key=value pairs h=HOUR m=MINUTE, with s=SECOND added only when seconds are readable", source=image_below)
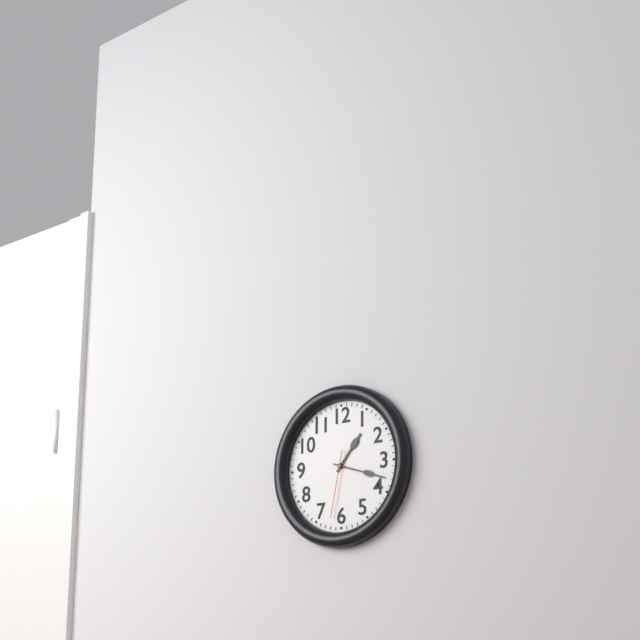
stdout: h=1 m=18 s=32
